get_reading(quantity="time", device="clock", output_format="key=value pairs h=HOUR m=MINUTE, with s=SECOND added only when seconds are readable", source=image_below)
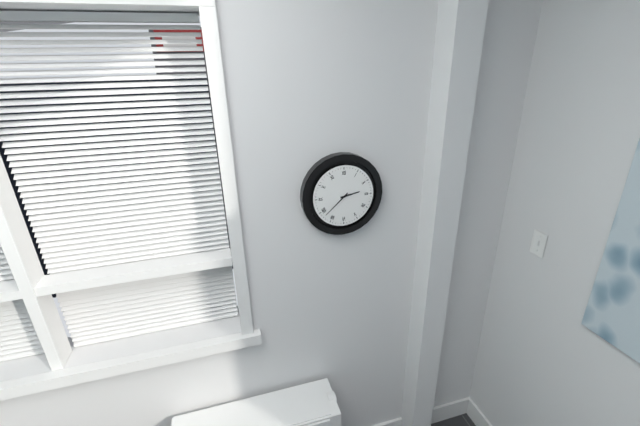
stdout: h=2 m=38
